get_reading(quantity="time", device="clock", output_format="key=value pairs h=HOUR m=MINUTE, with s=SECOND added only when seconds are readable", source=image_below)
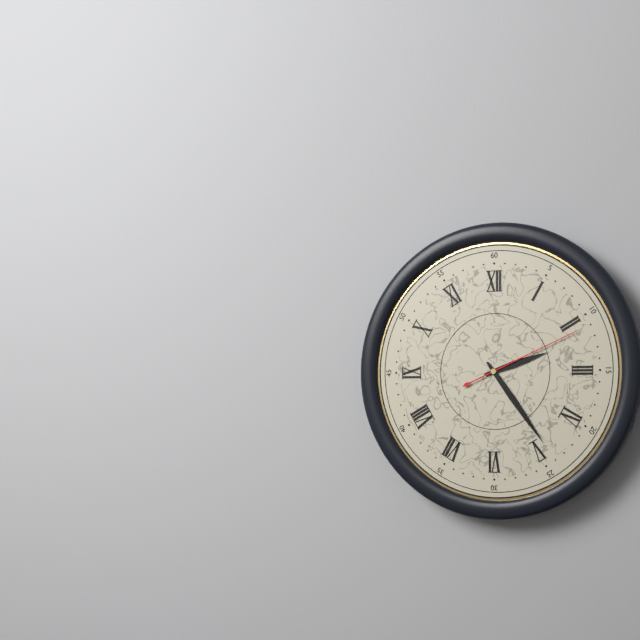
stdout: h=2 m=24 s=11
